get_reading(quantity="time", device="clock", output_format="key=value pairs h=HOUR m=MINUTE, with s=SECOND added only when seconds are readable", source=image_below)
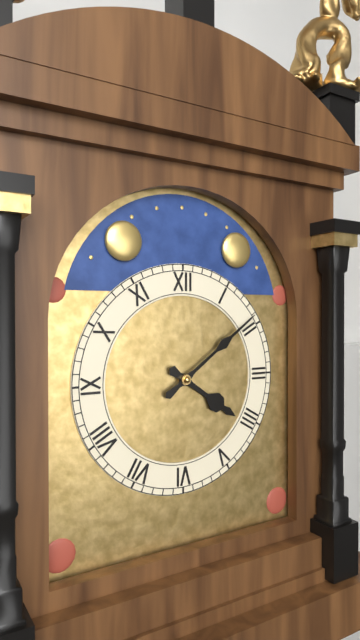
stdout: h=4 m=9
